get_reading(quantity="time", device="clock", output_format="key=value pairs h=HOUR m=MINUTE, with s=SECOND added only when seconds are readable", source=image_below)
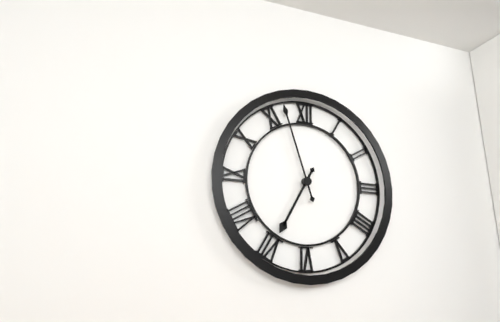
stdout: h=6 m=57
